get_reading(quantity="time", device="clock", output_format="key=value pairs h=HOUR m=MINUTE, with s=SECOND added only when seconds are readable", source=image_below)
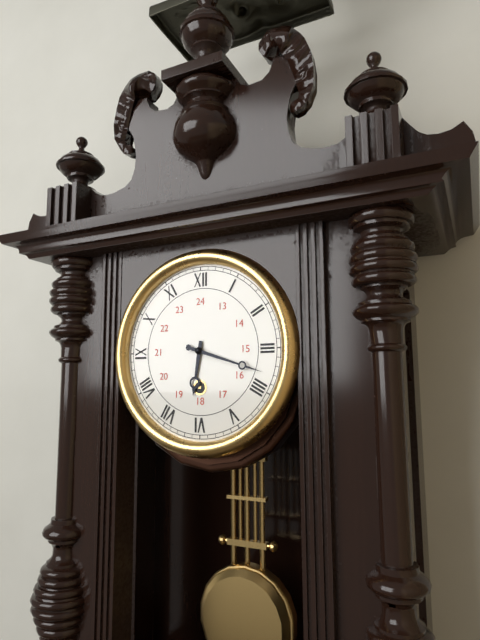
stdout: h=6 m=18
